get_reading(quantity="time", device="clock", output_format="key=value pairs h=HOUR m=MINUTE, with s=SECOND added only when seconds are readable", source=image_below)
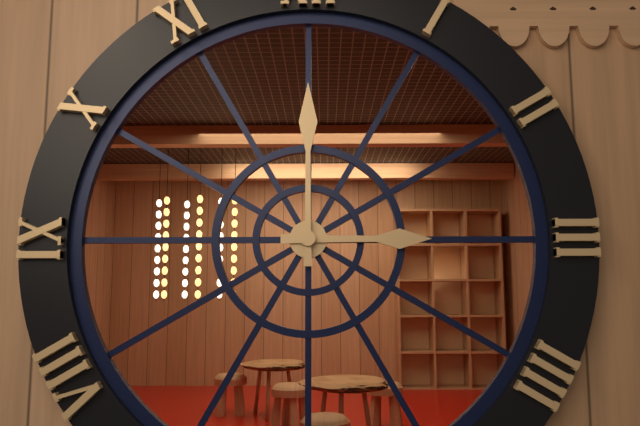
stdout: h=3 m=0
